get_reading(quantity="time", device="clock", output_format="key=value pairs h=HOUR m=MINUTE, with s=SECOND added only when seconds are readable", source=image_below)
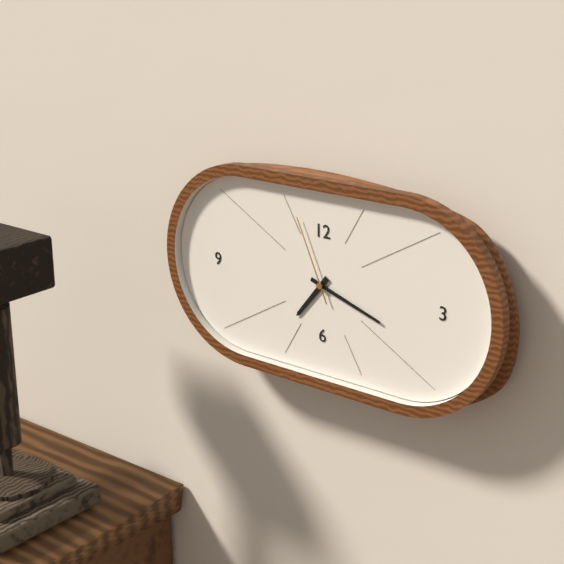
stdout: h=7 m=18 s=56
